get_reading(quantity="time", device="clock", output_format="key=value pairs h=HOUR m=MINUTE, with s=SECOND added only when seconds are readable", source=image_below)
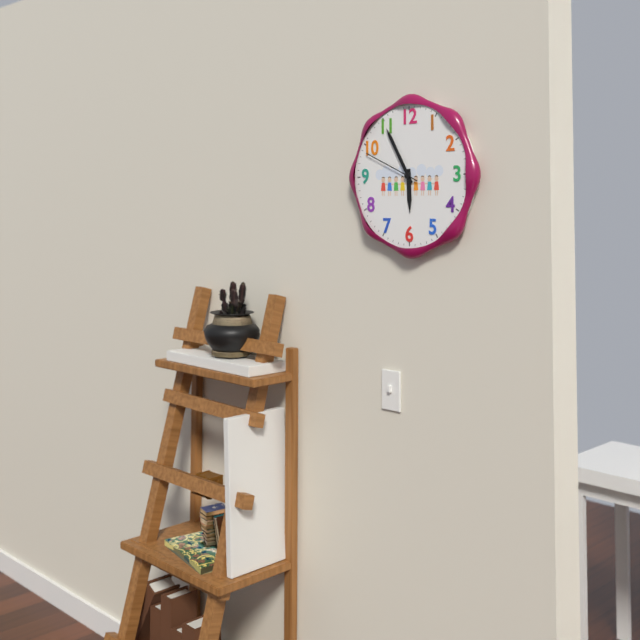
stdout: h=5 m=55 s=49
